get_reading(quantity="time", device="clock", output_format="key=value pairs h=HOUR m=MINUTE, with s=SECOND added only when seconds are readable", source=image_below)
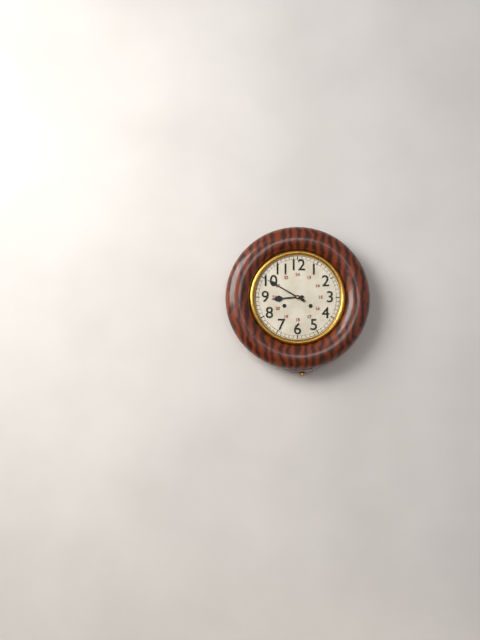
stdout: h=8 m=50
